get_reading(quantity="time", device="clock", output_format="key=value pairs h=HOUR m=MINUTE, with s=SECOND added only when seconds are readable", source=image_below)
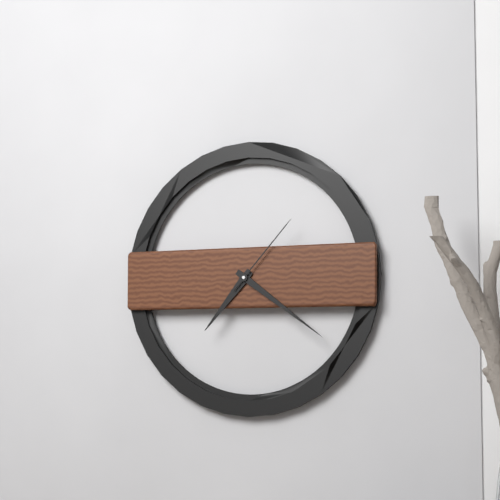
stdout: h=7 m=21 s=7
